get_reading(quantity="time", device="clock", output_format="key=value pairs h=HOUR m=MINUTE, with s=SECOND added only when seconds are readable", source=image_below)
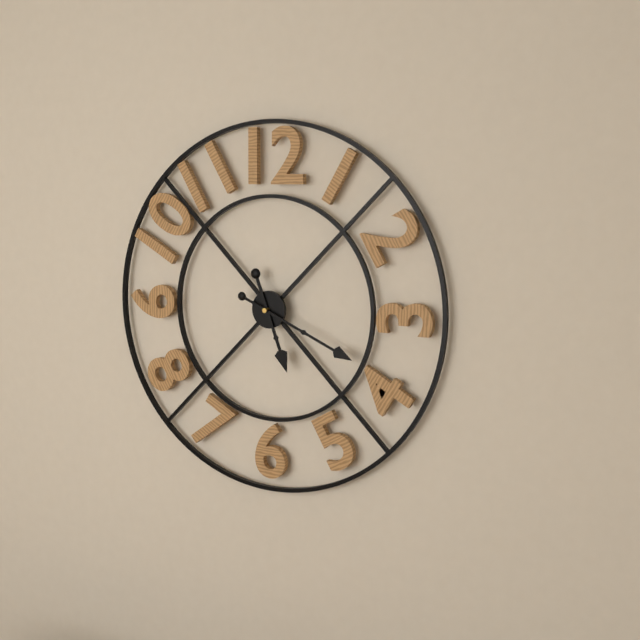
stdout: h=5 m=19
